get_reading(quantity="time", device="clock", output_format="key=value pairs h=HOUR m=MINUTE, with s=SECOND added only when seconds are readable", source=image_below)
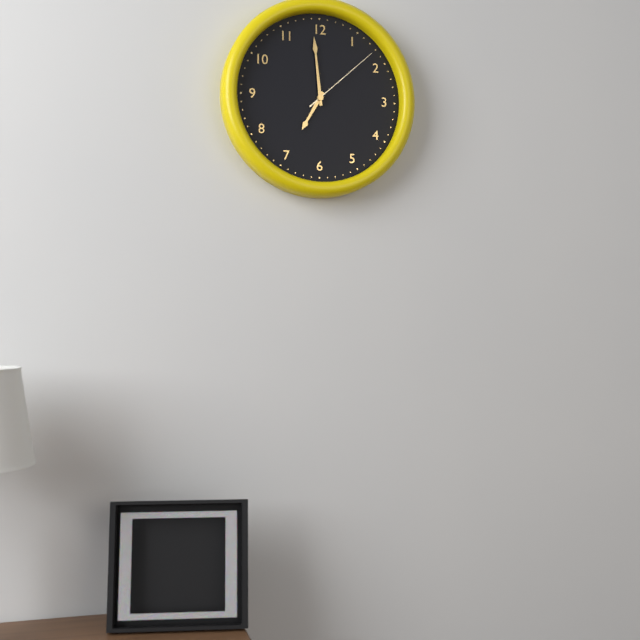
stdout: h=6 m=59 s=8
